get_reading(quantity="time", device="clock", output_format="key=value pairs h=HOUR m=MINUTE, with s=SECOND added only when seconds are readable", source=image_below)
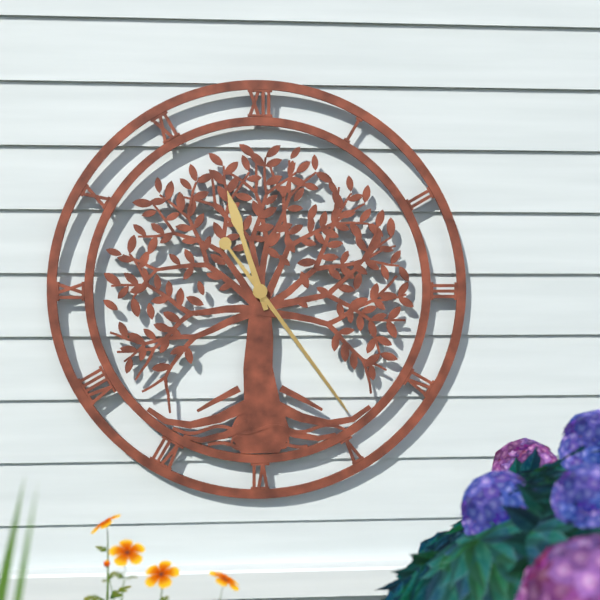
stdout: h=11 m=24
